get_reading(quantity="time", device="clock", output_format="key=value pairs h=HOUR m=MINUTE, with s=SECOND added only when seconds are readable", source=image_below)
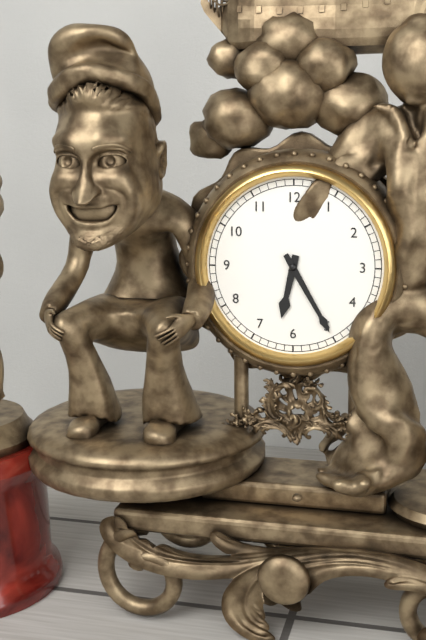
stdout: h=6 m=25
